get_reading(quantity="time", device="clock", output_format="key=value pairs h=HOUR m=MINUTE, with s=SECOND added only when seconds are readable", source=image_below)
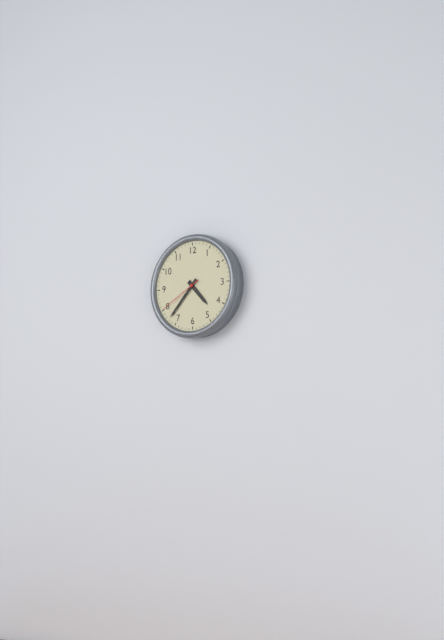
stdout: h=4 m=37
